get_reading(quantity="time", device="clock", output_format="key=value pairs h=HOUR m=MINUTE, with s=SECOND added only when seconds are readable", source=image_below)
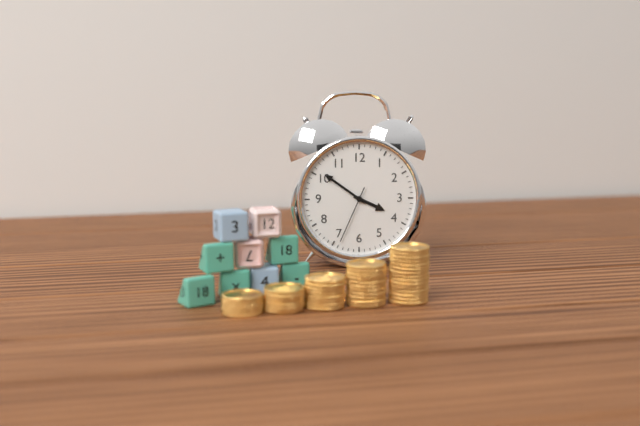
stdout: h=3 m=51 s=34
